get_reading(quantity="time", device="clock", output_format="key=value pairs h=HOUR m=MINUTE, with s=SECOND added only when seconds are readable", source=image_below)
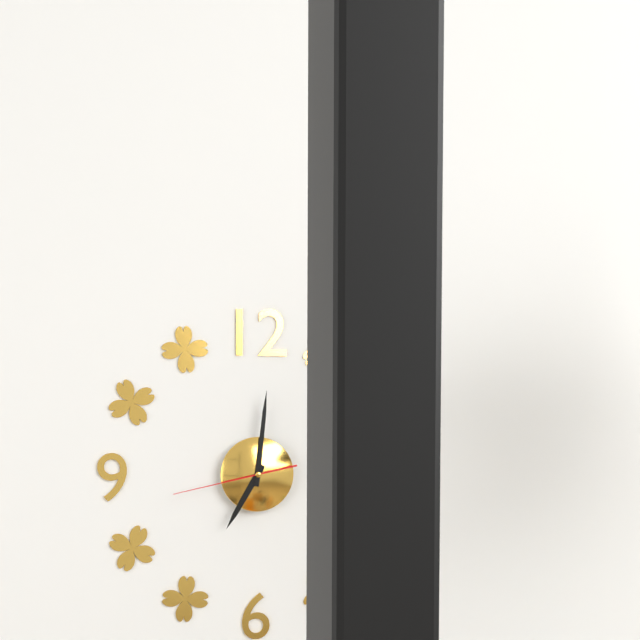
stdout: h=7 m=1 s=43
